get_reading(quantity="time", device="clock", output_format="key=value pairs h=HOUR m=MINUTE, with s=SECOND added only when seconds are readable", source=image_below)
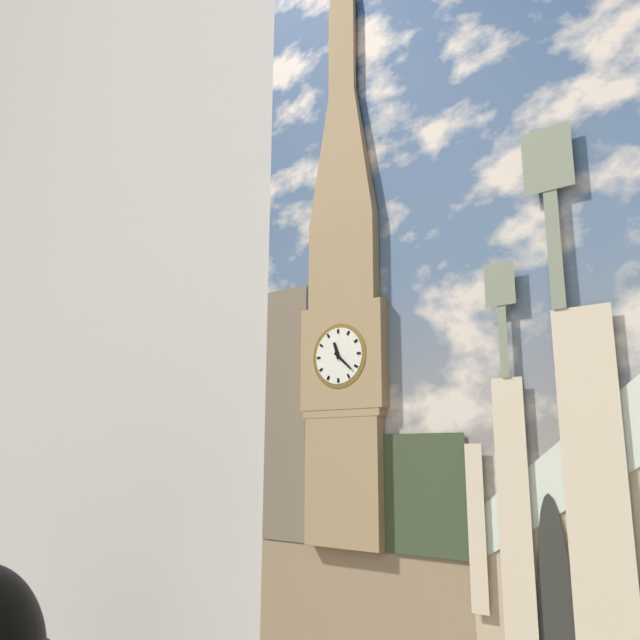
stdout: h=11 m=22
